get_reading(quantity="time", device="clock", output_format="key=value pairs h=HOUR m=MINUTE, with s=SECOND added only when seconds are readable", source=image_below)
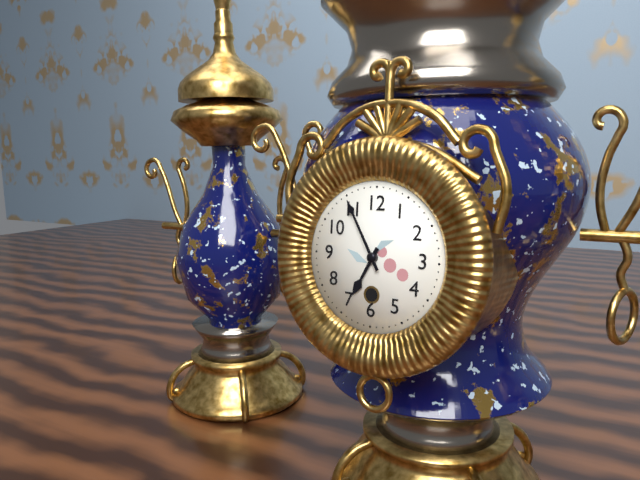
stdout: h=6 m=55
